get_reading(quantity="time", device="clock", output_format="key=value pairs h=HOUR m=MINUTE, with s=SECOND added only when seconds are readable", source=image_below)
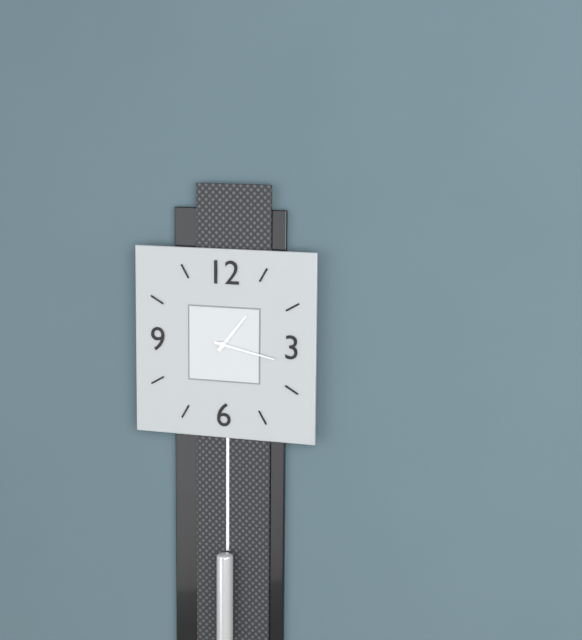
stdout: h=1 m=17
